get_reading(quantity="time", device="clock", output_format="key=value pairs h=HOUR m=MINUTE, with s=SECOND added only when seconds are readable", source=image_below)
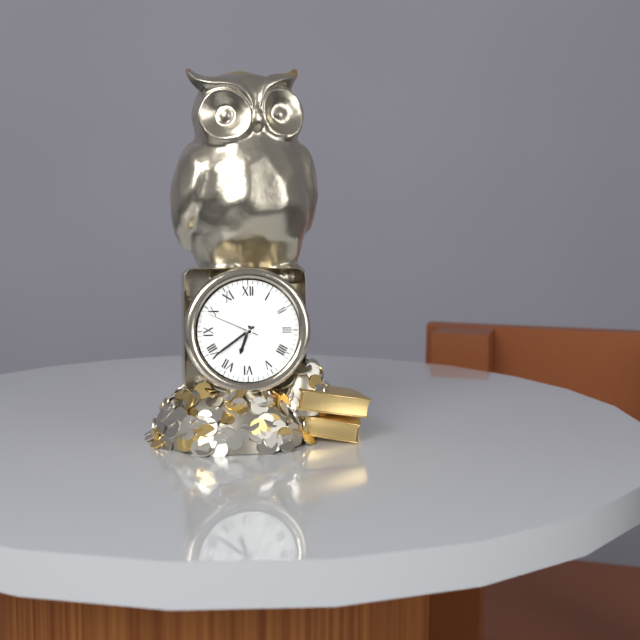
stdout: h=6 m=39
